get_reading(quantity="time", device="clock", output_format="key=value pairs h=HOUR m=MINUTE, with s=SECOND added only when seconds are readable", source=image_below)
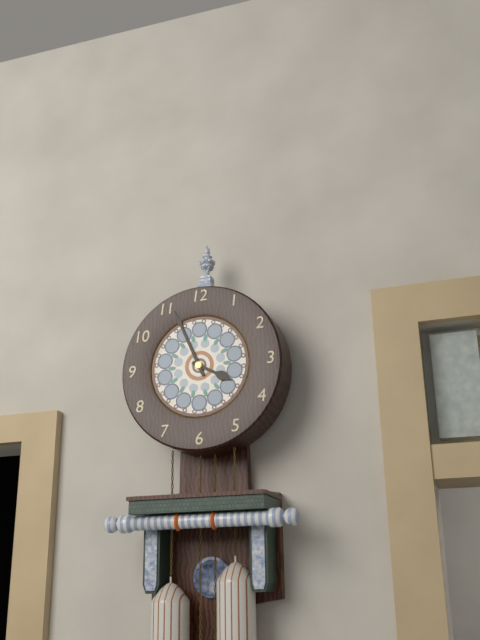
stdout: h=3 m=56
